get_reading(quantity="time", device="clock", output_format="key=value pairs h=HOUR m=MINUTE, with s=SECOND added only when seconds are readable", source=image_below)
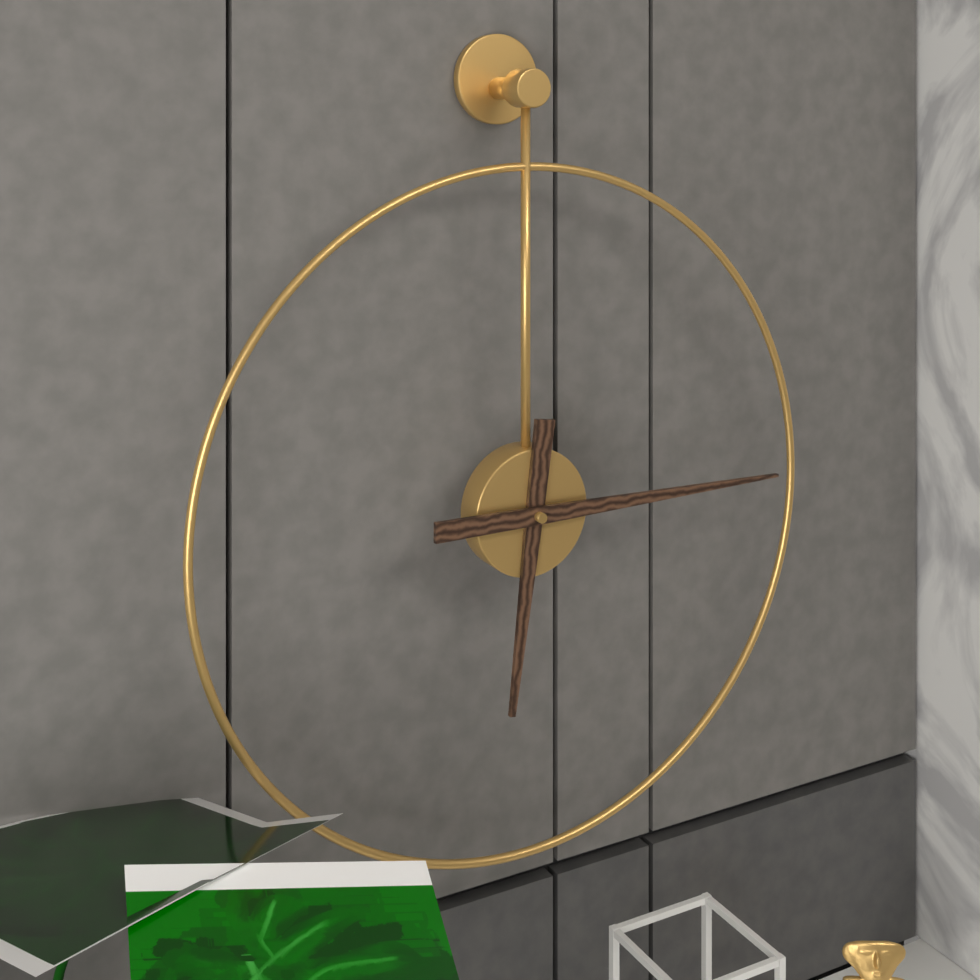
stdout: h=6 m=15
